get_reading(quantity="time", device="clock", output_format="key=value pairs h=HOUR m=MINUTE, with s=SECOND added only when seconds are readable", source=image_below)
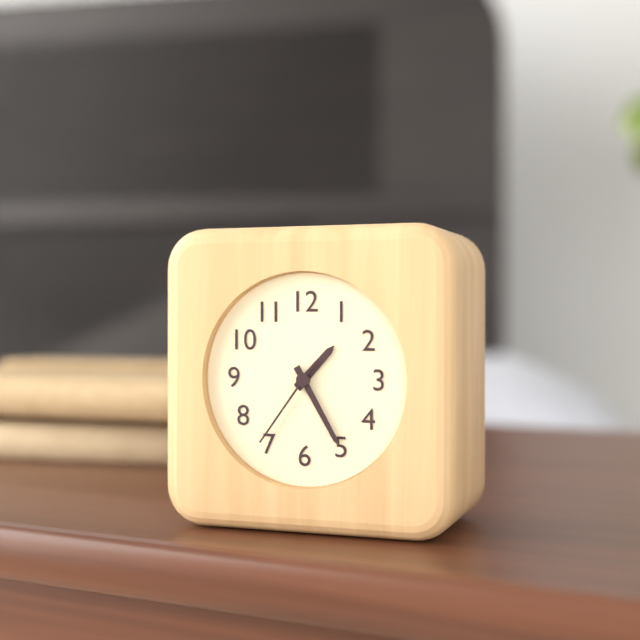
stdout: h=1 m=25 s=36
